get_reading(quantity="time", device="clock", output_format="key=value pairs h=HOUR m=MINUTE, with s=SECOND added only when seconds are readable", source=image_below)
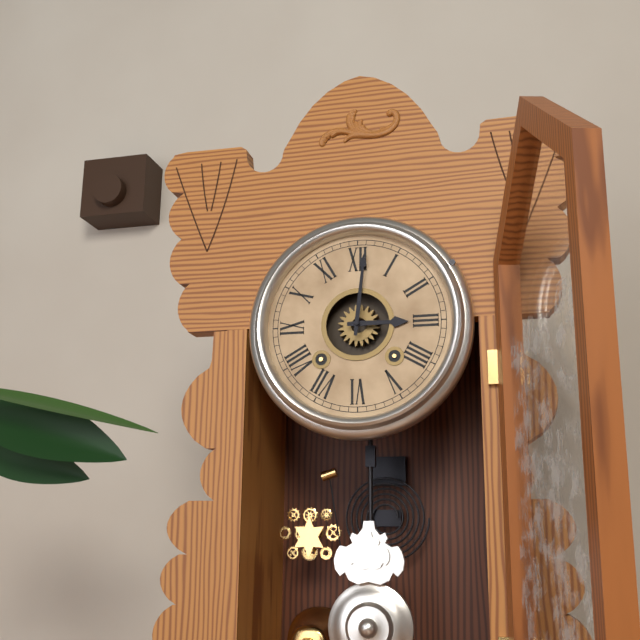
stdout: h=3 m=1
